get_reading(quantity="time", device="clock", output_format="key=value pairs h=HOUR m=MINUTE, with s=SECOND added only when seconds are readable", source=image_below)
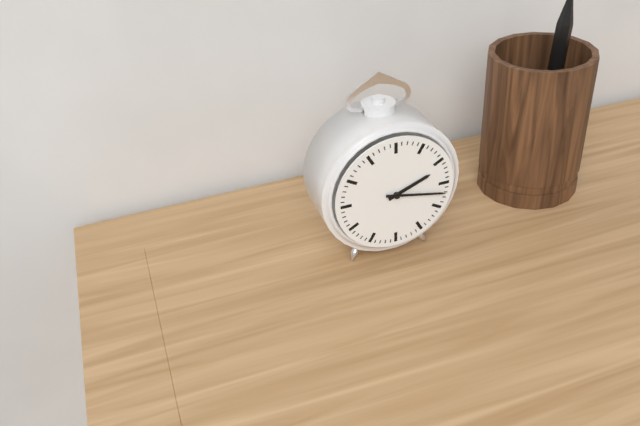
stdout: h=2 m=17
